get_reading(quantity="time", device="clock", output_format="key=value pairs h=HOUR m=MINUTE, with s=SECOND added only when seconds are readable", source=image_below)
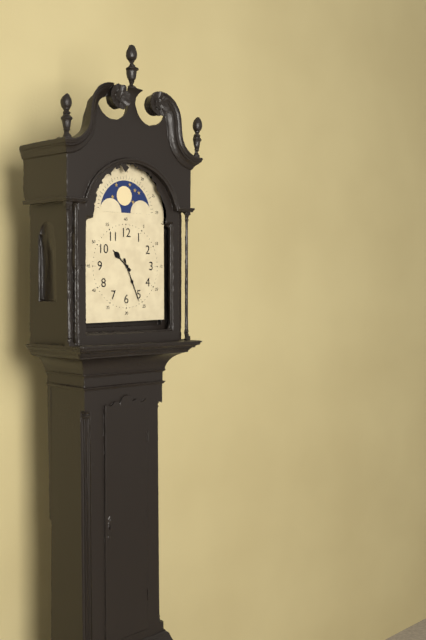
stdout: h=10 m=26
